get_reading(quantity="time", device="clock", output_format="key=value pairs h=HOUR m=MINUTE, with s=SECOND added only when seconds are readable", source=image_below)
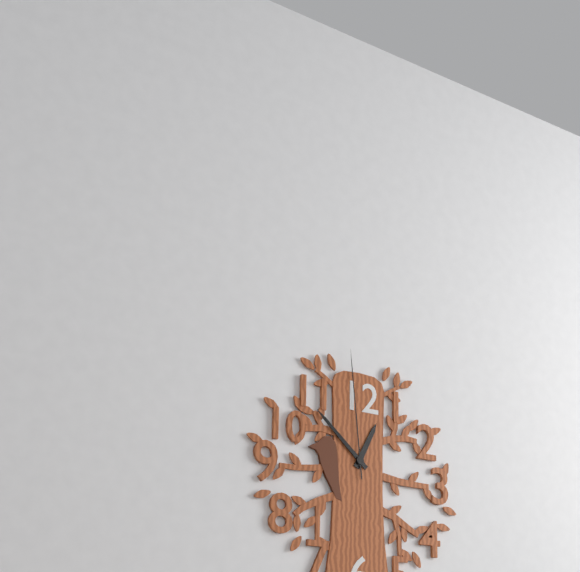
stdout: h=12 m=52 s=59
